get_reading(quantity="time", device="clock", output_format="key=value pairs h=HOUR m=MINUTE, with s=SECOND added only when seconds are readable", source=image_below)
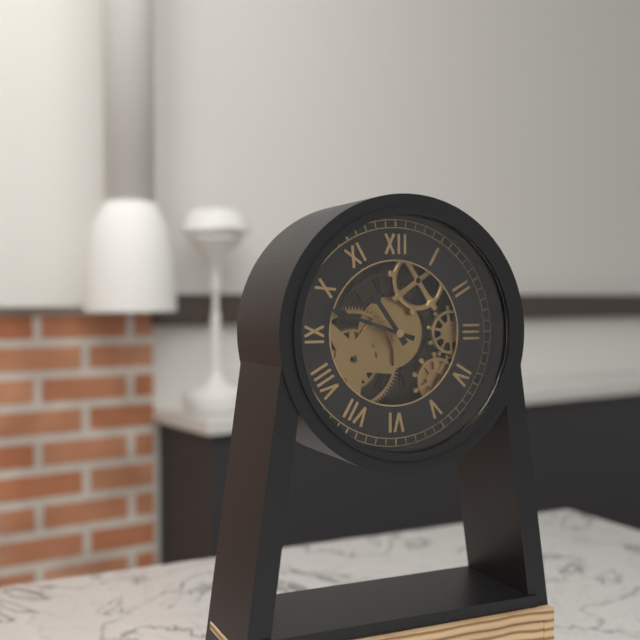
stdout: h=10 m=48
